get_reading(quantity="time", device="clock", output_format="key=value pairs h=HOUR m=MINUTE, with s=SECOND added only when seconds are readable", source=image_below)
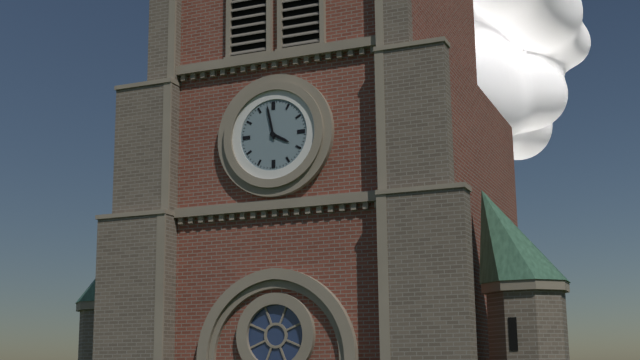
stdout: h=3 m=58
